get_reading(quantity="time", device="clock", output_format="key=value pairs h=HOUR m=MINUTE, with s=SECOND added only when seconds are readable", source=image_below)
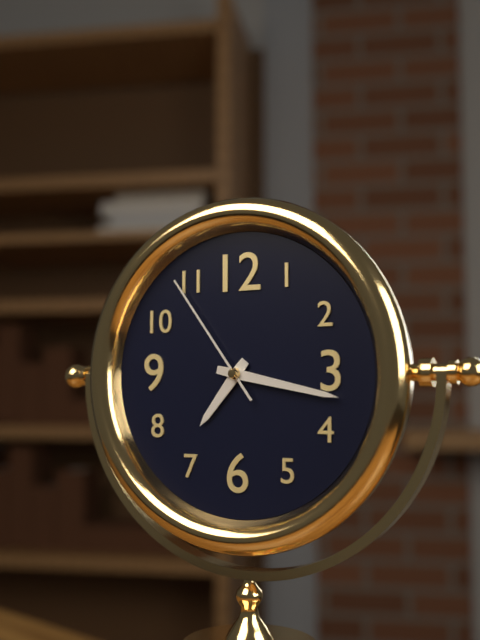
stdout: h=7 m=17 s=54
